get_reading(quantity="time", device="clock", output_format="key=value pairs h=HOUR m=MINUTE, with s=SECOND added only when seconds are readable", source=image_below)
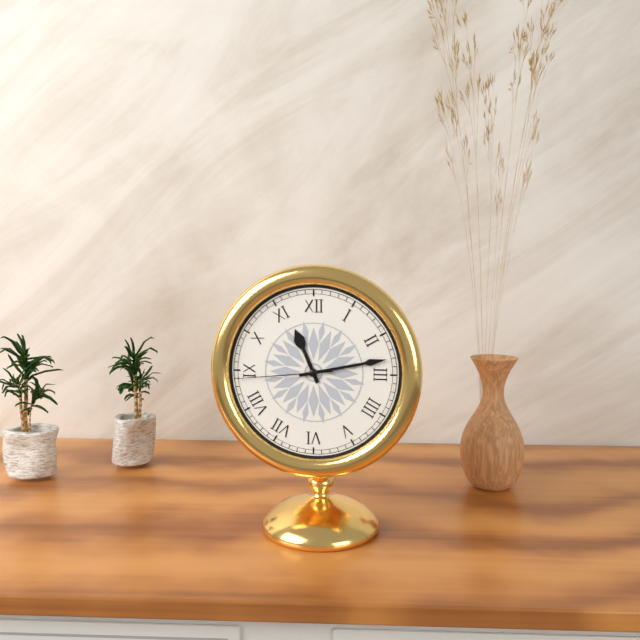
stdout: h=11 m=13 s=44
